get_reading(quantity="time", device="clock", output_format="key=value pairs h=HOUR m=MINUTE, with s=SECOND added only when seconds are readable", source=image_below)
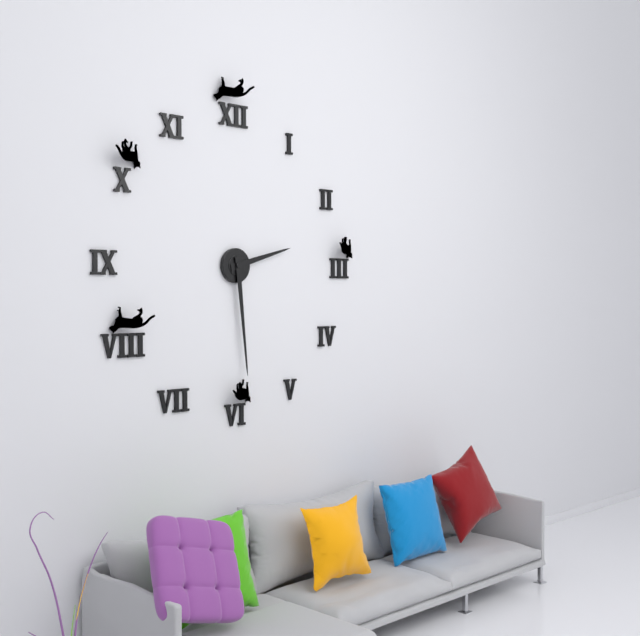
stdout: h=2 m=29
